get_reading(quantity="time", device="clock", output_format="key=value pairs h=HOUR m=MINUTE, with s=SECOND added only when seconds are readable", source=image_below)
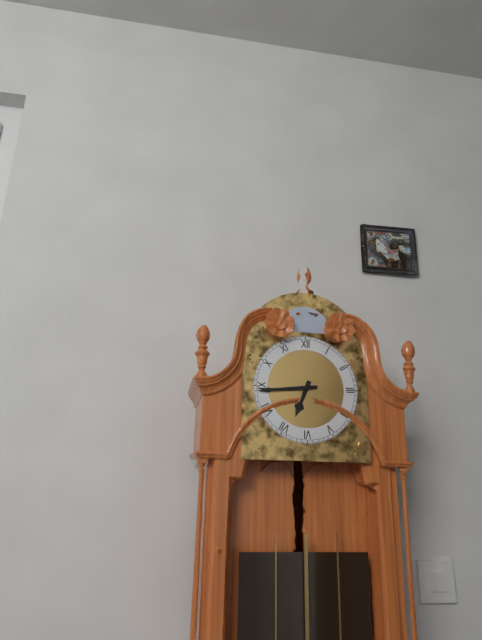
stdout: h=6 m=44
